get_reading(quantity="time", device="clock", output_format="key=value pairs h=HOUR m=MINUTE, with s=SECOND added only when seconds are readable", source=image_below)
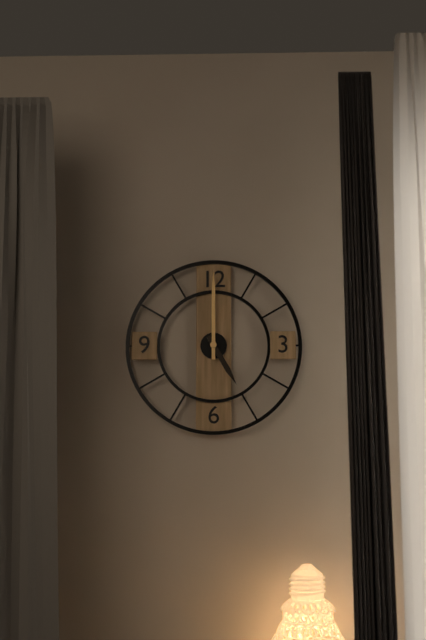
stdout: h=5 m=0
